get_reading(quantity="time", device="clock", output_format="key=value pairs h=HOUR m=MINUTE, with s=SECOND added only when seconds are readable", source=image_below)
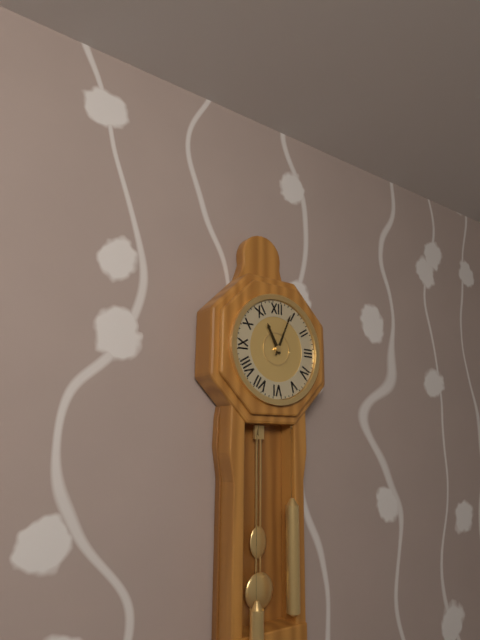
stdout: h=11 m=4
